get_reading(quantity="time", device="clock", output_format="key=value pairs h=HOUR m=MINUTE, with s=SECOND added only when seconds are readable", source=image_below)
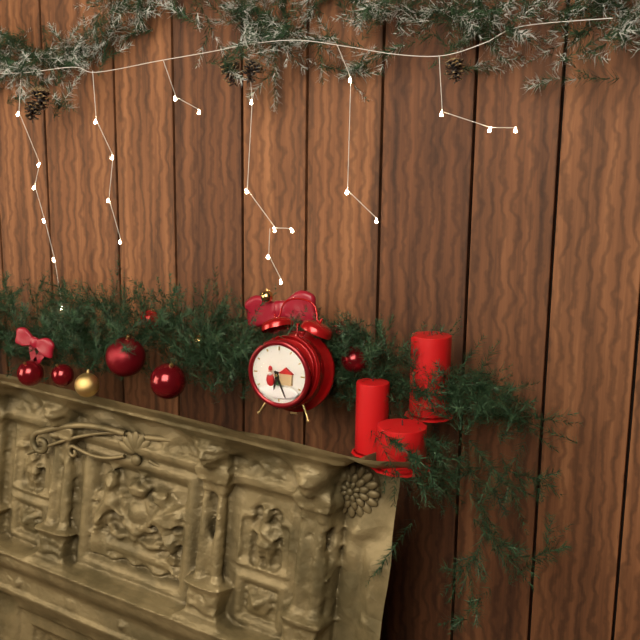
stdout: h=6 m=26
